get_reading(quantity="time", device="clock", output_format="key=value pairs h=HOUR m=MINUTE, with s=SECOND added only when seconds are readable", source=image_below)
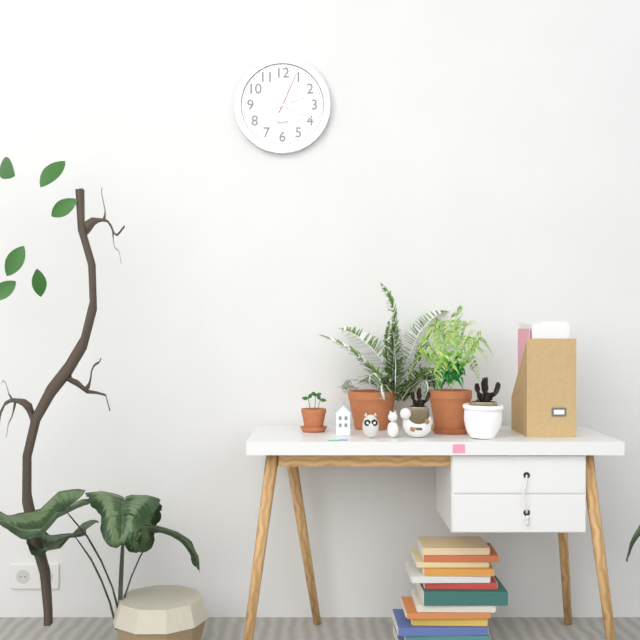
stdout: h=2 m=19
